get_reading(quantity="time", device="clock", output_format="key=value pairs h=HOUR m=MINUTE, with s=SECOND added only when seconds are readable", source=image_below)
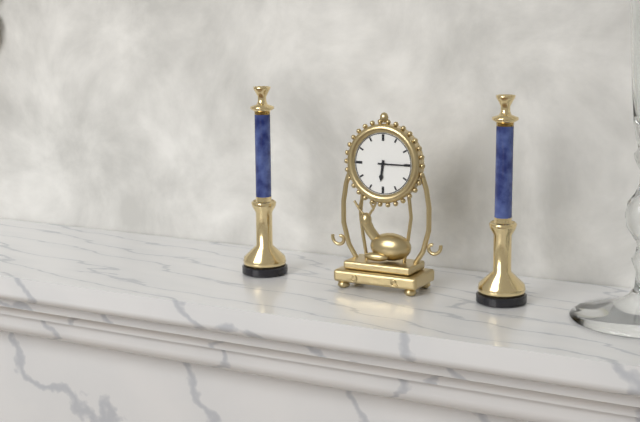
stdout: h=6 m=15
